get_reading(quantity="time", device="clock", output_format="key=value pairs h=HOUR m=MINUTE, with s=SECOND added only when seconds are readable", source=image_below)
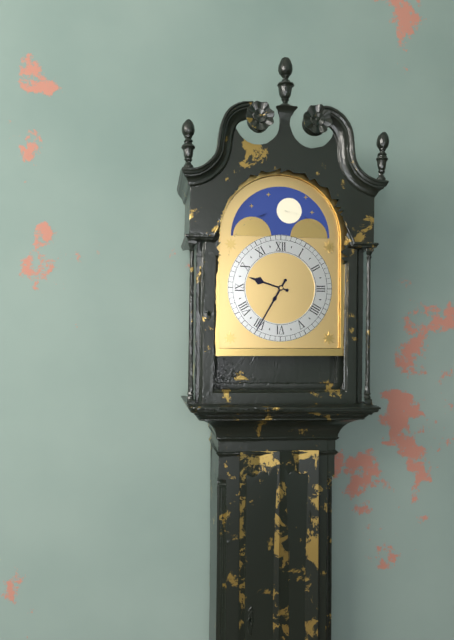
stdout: h=9 m=35
